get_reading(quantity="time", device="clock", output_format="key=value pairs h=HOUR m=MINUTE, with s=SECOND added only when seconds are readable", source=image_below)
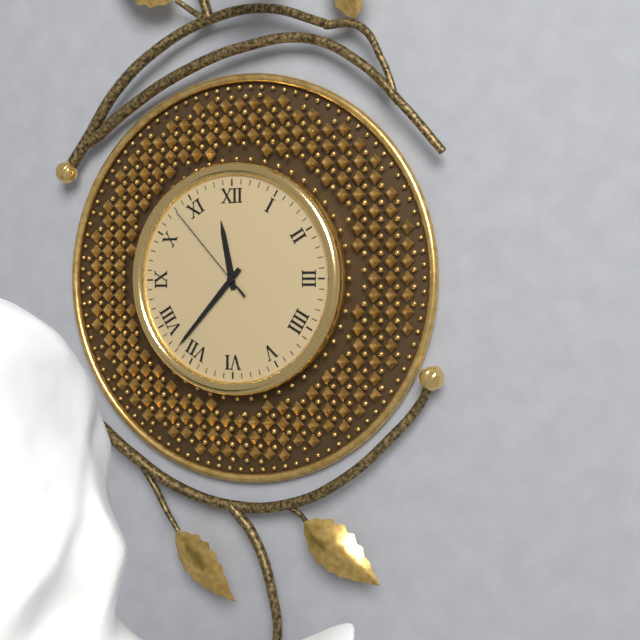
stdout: h=11 m=37 s=53
